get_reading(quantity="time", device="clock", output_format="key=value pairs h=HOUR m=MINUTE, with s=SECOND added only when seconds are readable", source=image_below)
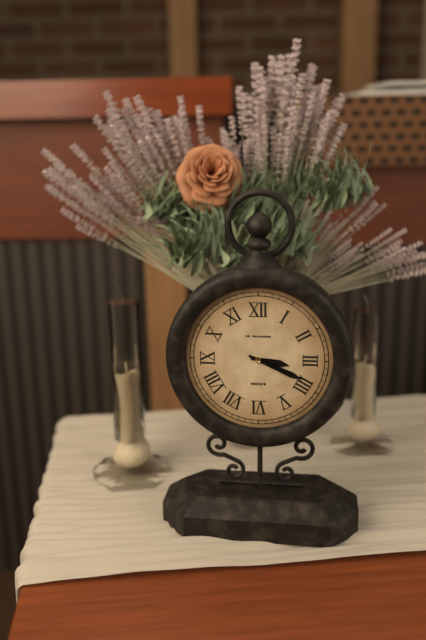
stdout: h=3 m=19
